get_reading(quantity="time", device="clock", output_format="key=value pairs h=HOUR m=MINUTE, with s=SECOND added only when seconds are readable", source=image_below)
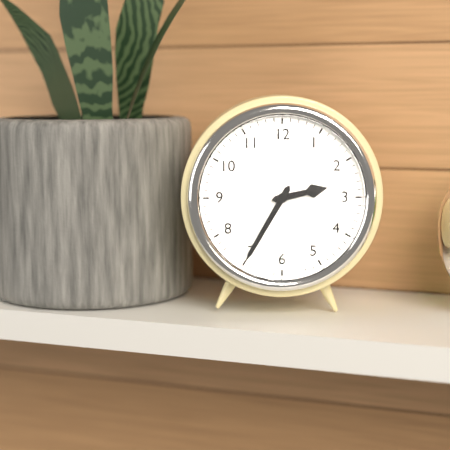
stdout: h=2 m=35
